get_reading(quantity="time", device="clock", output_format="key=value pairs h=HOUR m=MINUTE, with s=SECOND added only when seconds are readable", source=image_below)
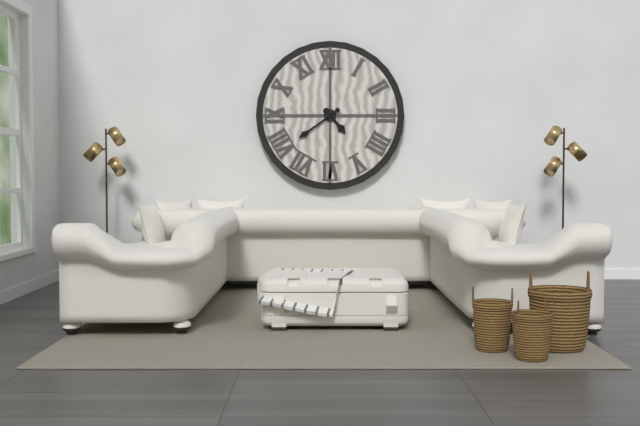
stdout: h=4 m=39
